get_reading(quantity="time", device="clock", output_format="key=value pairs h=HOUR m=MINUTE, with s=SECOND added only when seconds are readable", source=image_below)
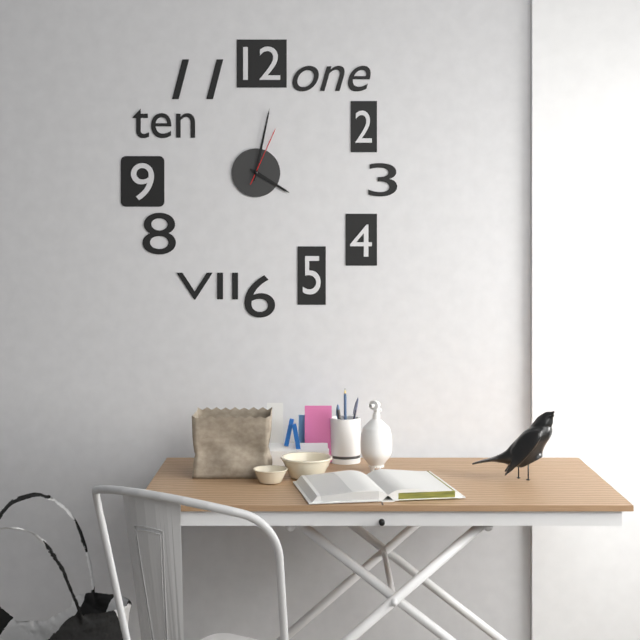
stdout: h=4 m=2 s=4
